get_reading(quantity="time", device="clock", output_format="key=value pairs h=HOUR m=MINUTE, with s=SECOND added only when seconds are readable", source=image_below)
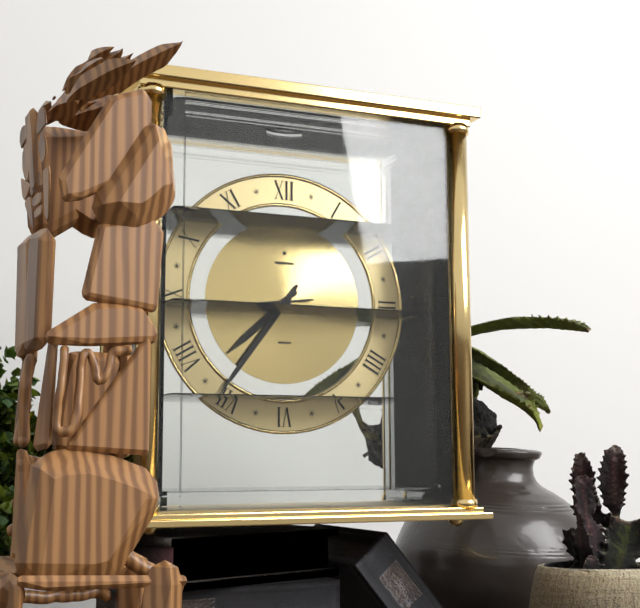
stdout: h=7 m=36 s=44
